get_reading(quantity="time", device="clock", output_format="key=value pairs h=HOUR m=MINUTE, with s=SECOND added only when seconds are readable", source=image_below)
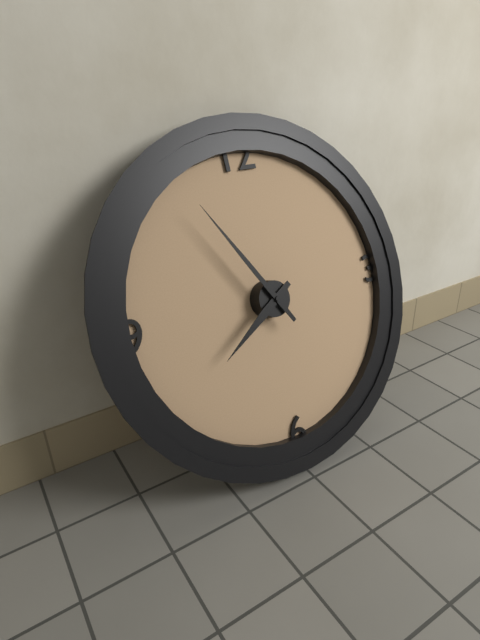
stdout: h=7 m=55
